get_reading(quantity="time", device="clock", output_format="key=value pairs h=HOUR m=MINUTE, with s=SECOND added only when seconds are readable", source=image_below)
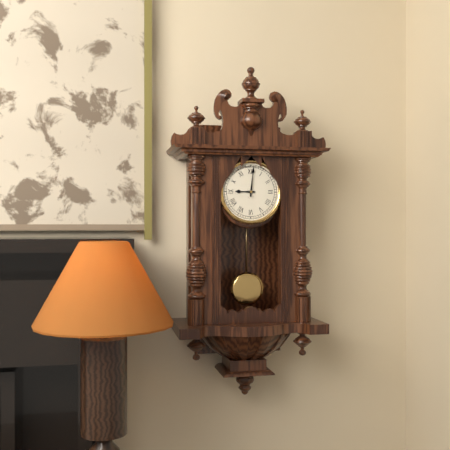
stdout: h=9 m=1
